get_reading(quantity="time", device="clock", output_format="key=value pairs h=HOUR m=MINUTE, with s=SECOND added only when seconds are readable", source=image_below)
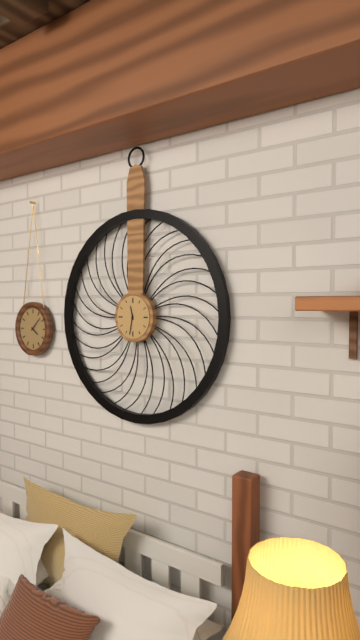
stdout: h=11 m=32
